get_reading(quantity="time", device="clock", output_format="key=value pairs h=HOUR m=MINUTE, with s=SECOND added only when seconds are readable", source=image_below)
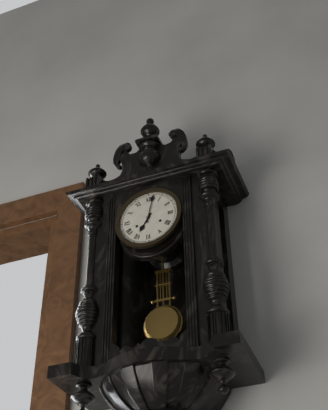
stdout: h=7 m=2
